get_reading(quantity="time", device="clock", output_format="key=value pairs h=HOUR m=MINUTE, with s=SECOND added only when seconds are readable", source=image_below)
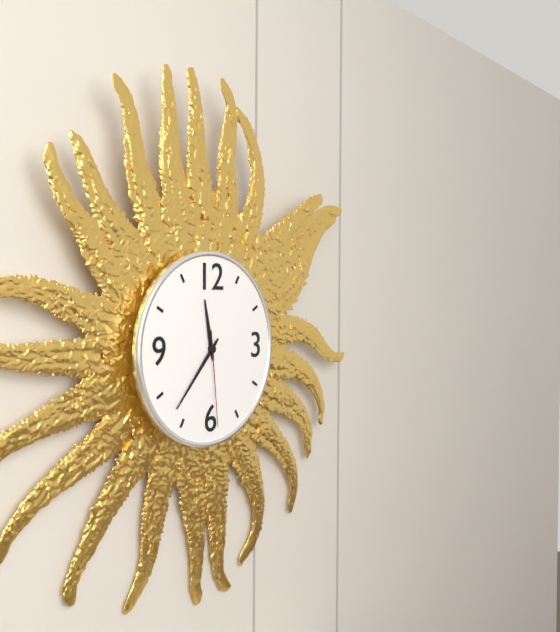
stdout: h=11 m=37 s=29
